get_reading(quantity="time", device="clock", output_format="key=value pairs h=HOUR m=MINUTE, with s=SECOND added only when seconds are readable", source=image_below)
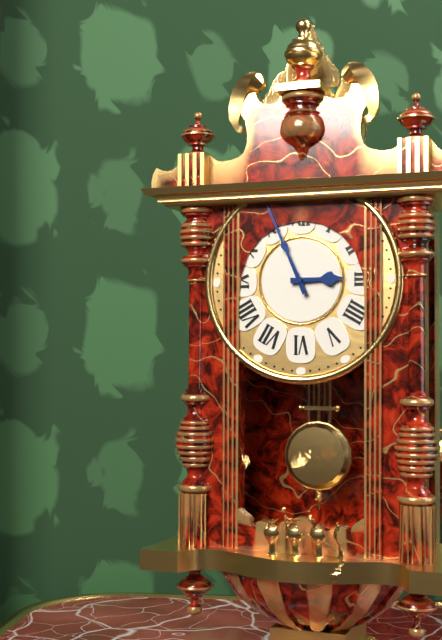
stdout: h=2 m=56
